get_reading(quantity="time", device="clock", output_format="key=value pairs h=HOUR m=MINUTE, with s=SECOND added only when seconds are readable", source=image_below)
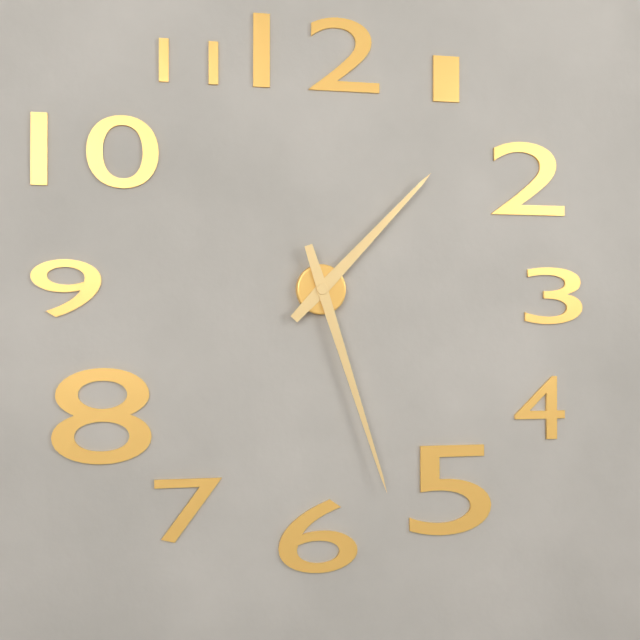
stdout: h=1 m=27
